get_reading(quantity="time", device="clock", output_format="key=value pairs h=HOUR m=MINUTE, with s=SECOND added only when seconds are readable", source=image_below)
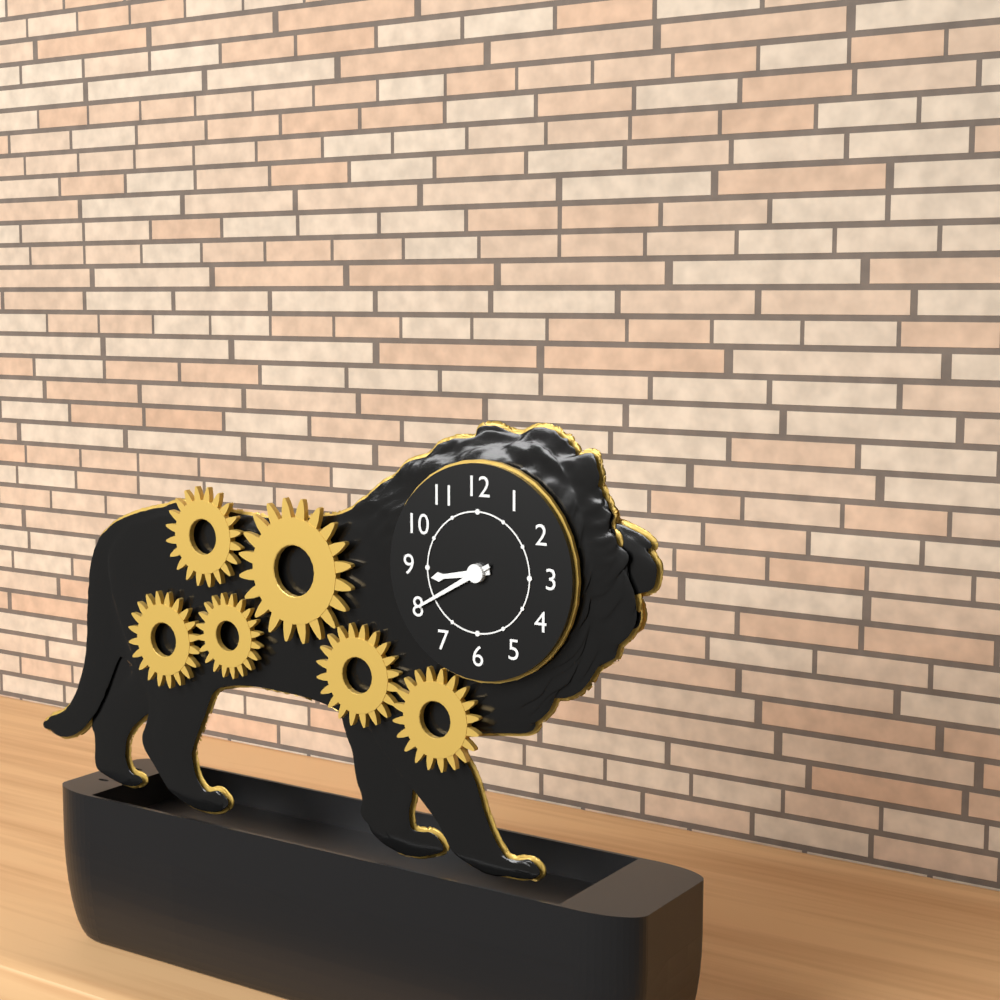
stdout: h=8 m=40
